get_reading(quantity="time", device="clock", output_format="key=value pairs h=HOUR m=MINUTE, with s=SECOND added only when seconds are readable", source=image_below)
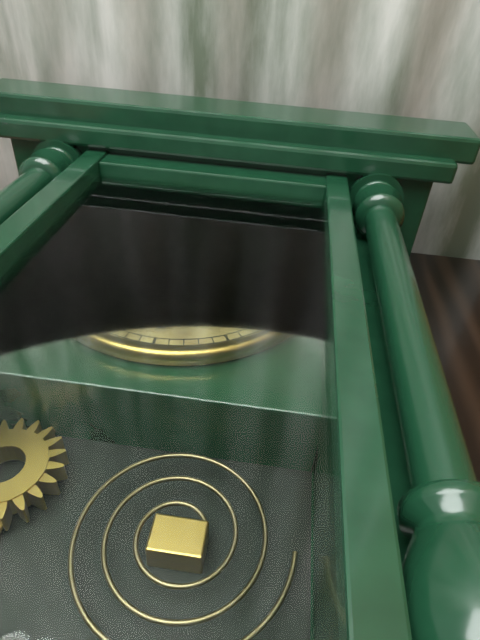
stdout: h=11 m=13
